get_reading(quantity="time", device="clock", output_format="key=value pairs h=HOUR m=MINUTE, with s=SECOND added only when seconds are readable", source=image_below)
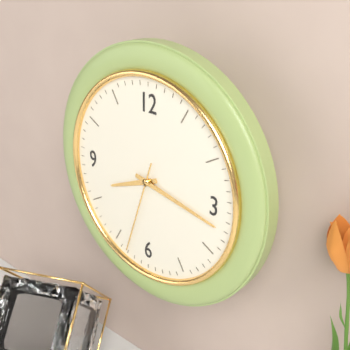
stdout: h=8 m=17 s=33
